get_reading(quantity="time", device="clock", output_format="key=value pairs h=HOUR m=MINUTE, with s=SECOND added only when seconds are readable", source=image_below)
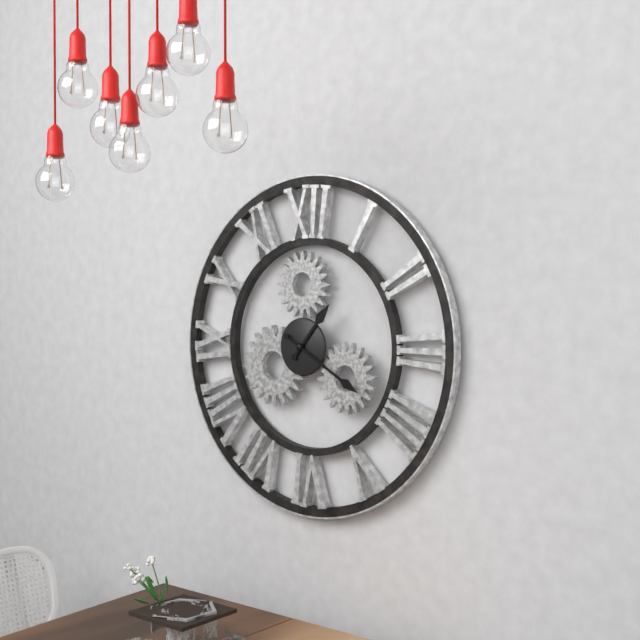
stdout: h=1 m=20
